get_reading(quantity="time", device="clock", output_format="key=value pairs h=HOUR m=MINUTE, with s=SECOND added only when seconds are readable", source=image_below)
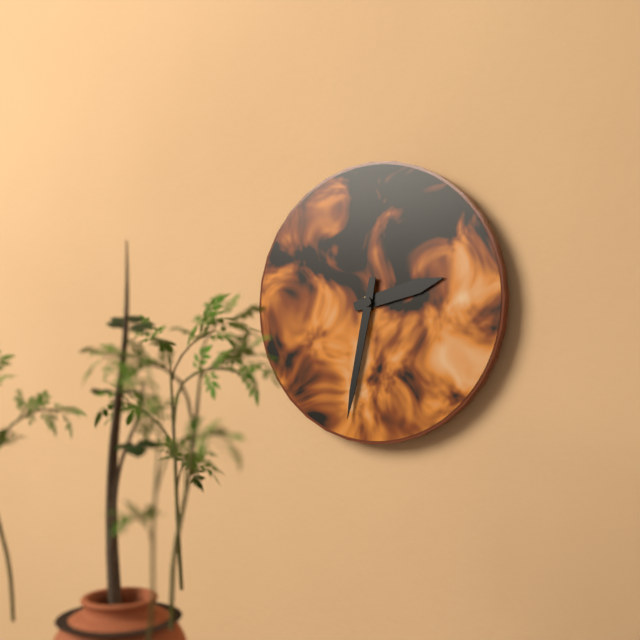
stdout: h=2 m=32
